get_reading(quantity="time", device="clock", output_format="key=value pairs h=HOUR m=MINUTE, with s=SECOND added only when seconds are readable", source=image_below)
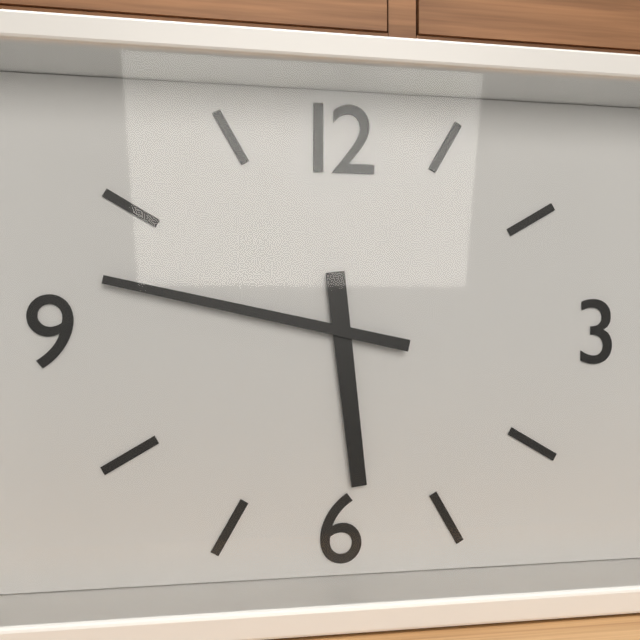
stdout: h=5 m=47
